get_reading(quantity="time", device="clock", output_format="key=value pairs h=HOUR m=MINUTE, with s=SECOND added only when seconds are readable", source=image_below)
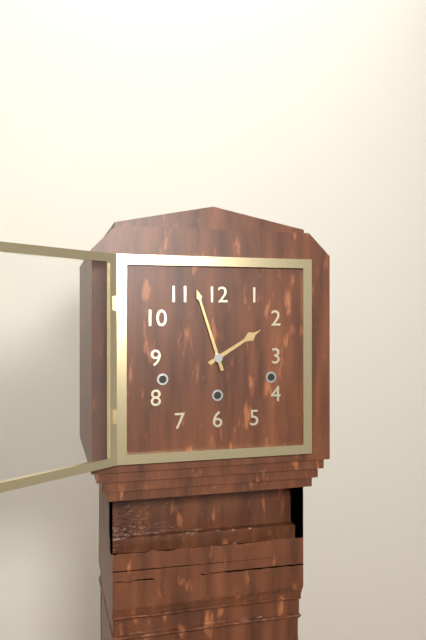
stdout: h=1 m=57
